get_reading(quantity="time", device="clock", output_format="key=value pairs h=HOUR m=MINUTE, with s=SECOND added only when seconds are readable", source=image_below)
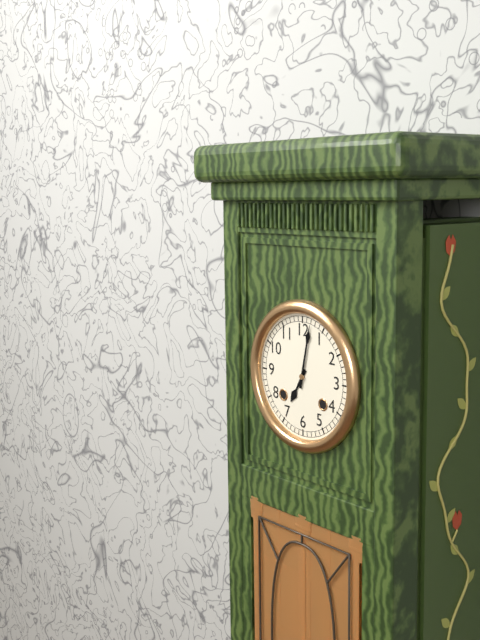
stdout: h=7 m=2
